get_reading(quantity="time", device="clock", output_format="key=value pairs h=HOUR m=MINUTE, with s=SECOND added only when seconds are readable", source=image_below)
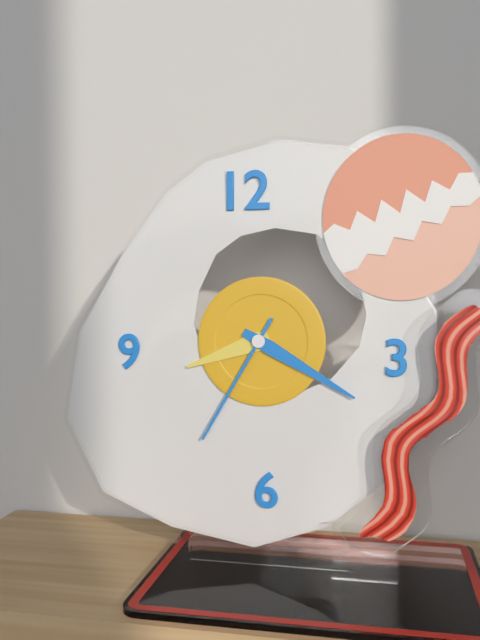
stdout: h=8 m=20 s=35
